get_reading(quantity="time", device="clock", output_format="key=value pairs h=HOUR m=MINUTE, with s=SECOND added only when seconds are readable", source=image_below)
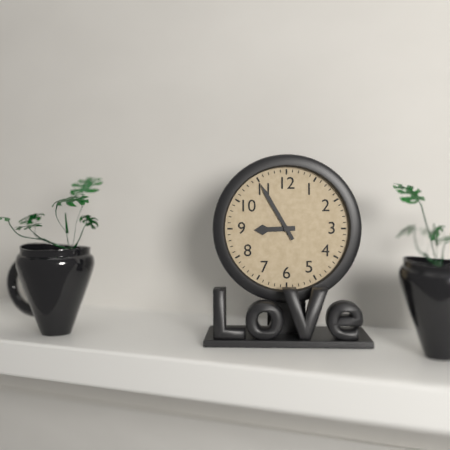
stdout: h=8 m=55
